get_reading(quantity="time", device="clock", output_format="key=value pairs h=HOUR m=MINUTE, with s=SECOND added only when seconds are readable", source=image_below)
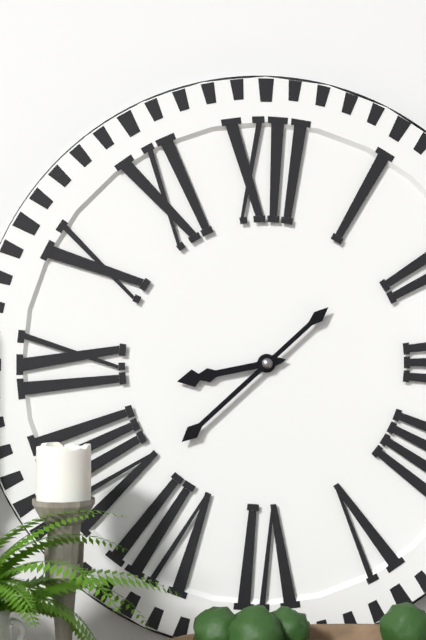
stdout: h=8 m=38
